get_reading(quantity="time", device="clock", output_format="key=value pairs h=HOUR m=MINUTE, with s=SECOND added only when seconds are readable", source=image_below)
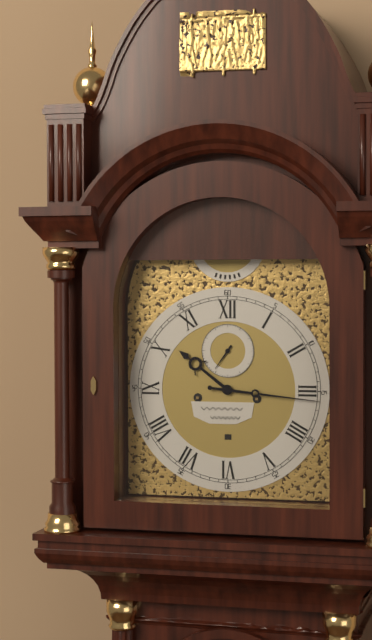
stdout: h=10 m=16
